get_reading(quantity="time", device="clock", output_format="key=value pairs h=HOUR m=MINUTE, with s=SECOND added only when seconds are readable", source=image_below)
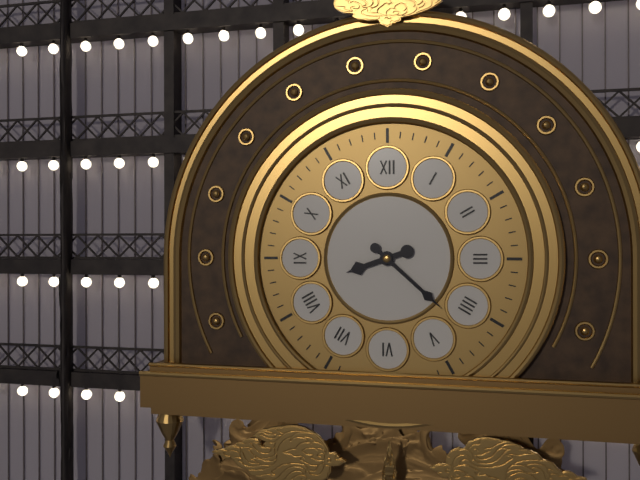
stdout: h=8 m=22
